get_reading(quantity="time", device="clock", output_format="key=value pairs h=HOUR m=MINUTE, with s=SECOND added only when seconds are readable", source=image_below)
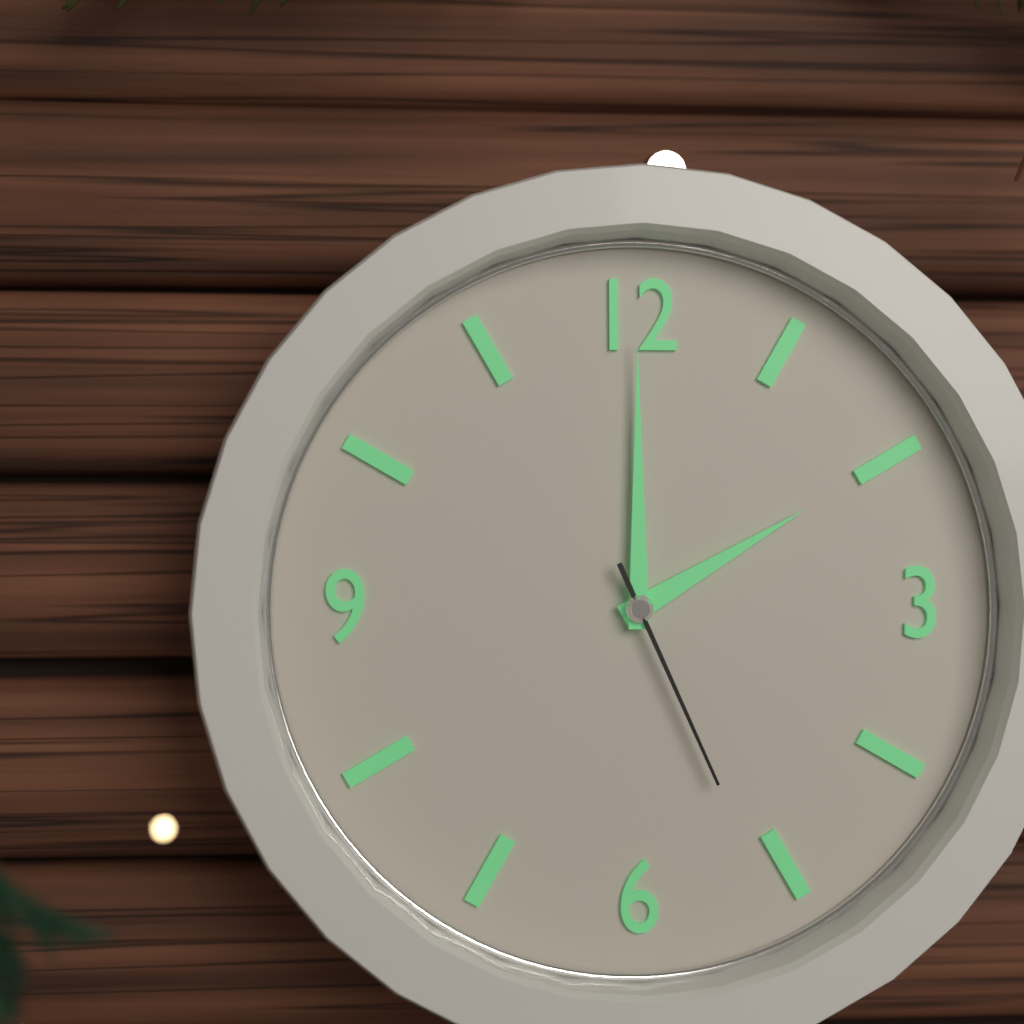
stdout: h=2 m=0 s=26
